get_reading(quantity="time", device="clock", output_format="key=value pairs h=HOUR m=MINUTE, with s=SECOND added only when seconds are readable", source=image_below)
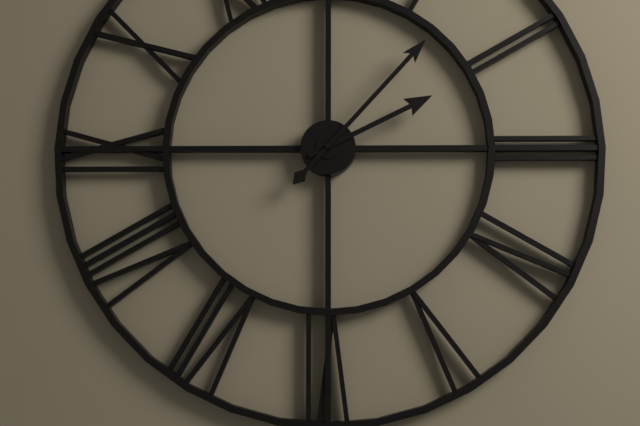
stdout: h=2 m=7
